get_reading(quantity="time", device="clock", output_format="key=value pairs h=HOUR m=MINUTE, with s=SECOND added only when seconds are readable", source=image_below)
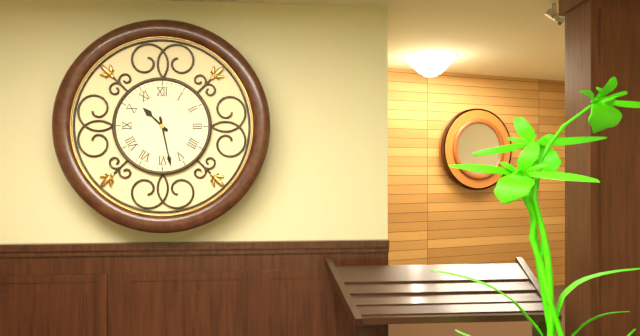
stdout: h=10 m=28
